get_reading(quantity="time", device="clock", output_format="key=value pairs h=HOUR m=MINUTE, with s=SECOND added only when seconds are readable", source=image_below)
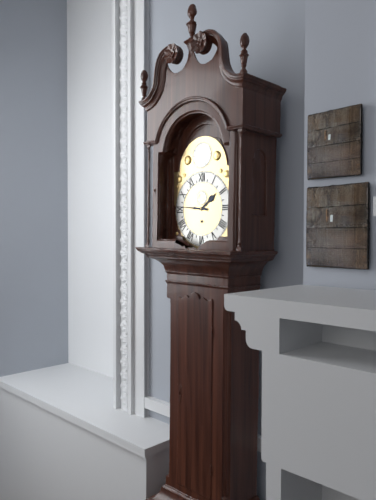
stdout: h=1 m=46
